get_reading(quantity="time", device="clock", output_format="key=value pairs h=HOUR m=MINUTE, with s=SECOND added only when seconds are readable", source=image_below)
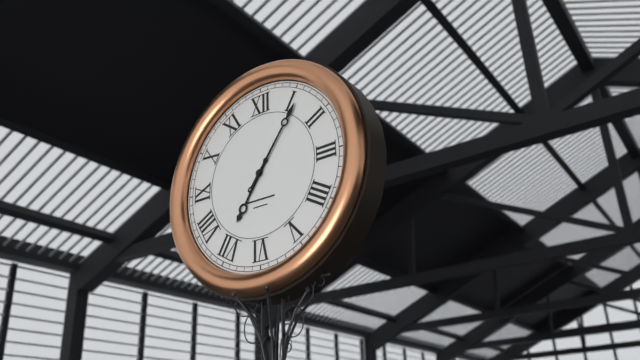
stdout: h=7 m=6
